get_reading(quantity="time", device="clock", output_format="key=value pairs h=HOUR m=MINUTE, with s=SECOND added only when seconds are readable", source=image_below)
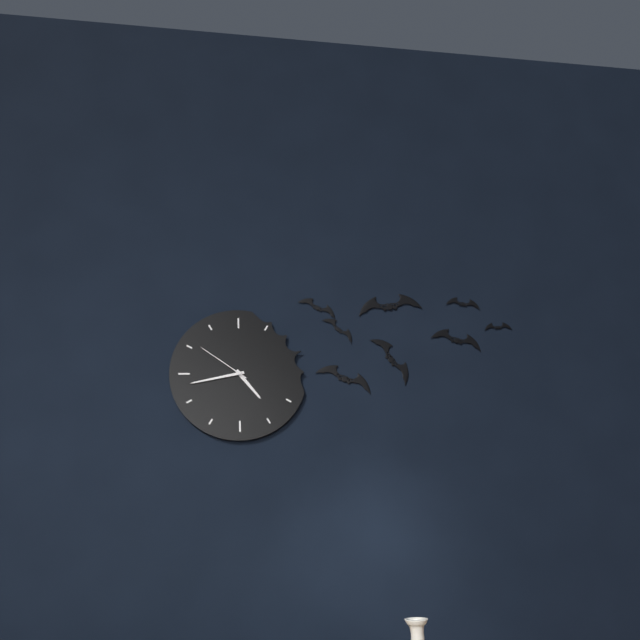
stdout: h=4 m=43 s=51
